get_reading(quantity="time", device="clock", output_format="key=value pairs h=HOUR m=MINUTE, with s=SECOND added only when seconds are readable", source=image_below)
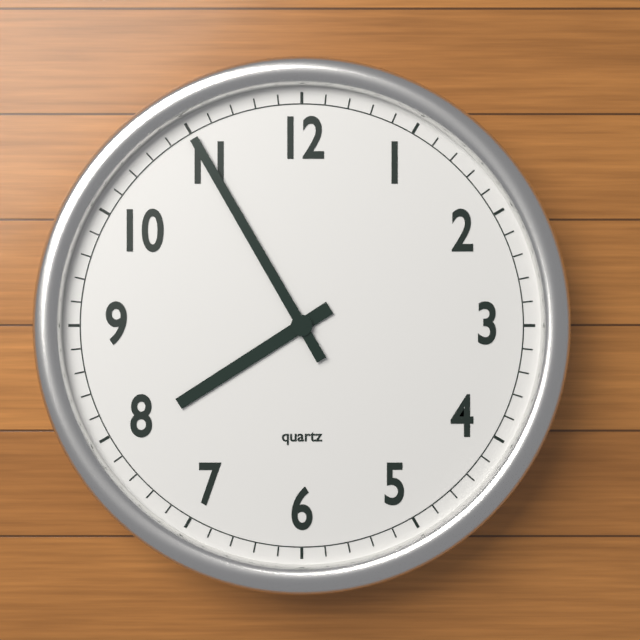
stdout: h=7 m=55
